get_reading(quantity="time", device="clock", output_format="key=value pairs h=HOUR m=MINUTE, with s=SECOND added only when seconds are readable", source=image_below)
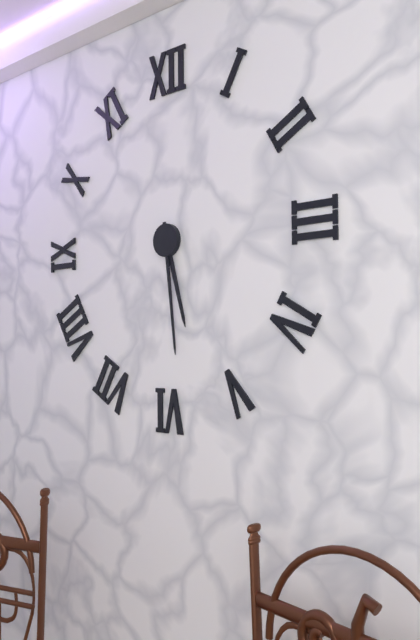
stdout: h=5 m=29
